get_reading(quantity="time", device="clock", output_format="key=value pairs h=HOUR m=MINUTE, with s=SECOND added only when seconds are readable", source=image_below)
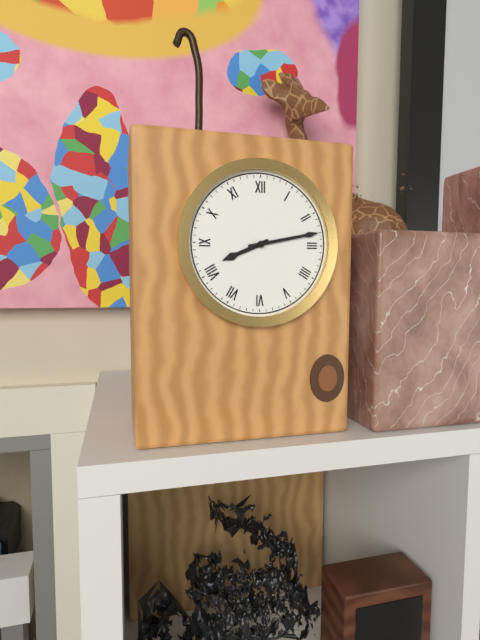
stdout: h=8 m=13
